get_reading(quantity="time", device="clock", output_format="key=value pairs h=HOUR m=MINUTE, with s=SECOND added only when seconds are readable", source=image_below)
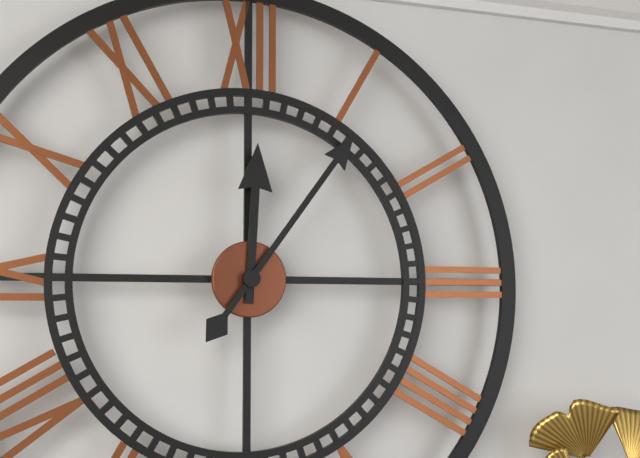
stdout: h=12 m=6
